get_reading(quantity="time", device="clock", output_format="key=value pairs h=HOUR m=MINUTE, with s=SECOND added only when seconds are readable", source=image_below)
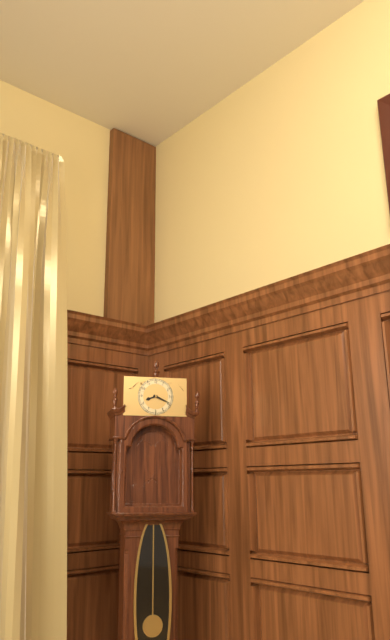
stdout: h=8 m=19
